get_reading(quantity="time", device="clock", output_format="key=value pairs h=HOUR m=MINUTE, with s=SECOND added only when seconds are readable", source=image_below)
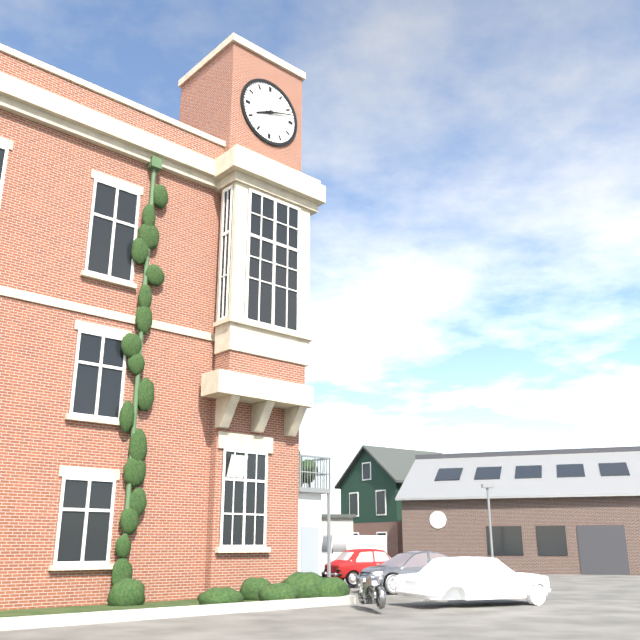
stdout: h=8 m=12
